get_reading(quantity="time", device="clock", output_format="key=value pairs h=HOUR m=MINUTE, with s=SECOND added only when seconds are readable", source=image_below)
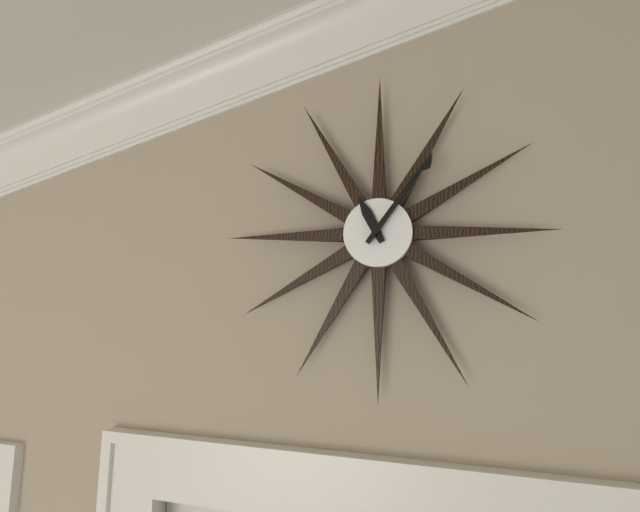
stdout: h=11 m=6
